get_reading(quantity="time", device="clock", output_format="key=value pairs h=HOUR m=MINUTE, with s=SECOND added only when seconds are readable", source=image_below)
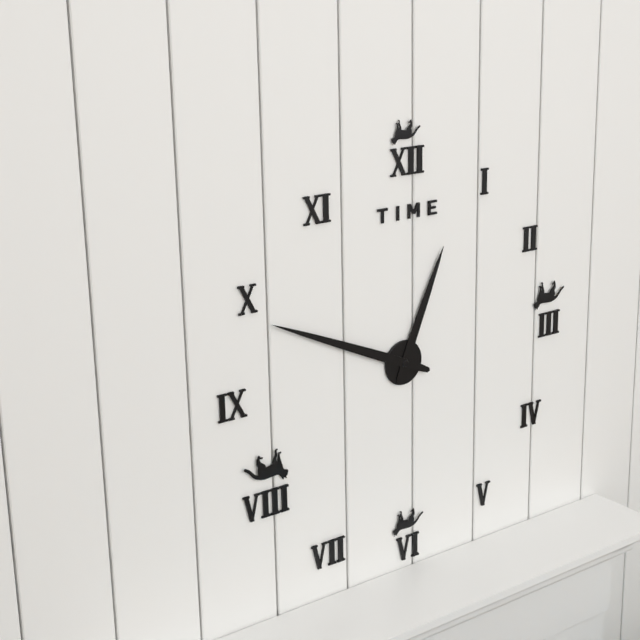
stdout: h=12 m=49
